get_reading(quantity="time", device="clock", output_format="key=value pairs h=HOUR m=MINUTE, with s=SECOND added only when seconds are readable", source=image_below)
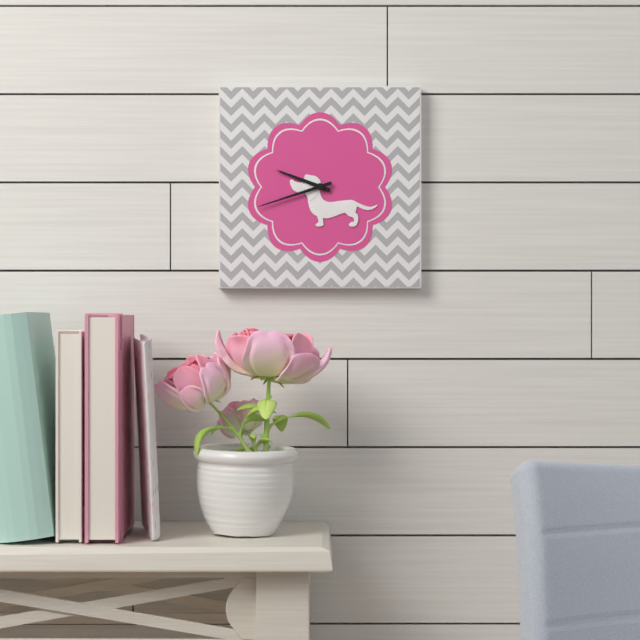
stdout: h=9 m=42
